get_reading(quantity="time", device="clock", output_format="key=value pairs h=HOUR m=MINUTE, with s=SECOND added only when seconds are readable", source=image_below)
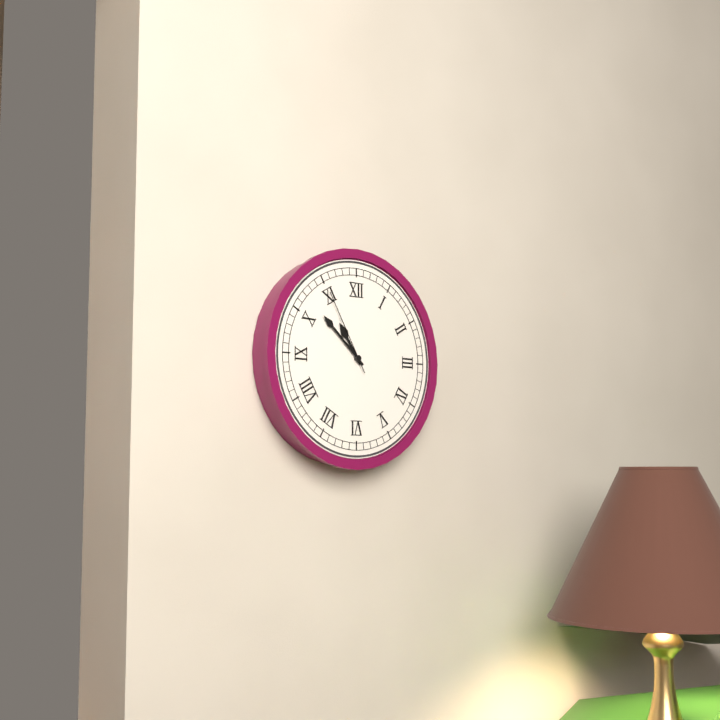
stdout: h=10 m=52 s=55
